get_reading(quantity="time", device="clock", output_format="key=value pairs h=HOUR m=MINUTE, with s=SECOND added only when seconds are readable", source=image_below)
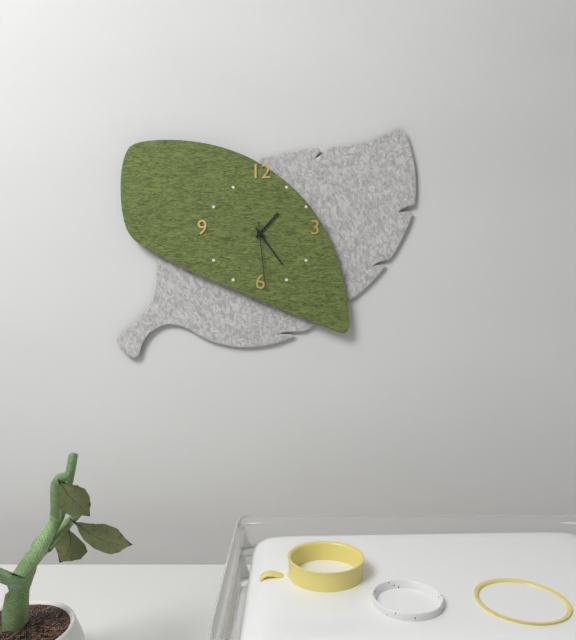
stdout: h=1 m=24 s=29
